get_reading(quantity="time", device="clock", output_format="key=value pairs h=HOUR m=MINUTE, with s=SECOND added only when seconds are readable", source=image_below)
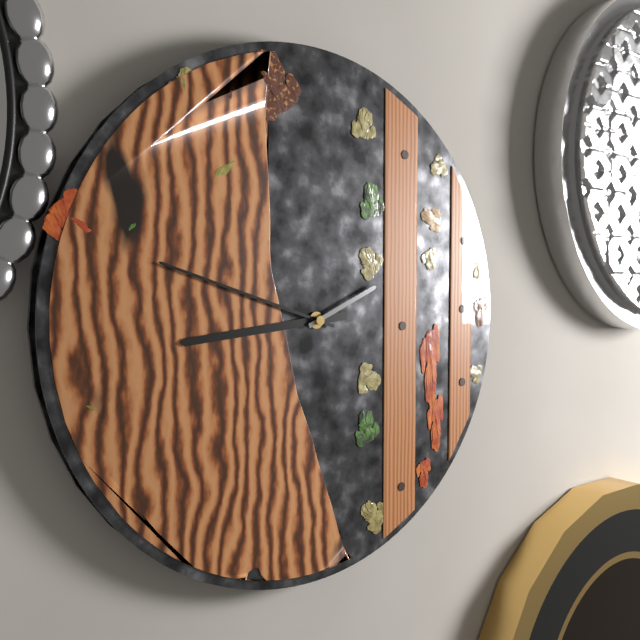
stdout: h=8 m=48 s=11
